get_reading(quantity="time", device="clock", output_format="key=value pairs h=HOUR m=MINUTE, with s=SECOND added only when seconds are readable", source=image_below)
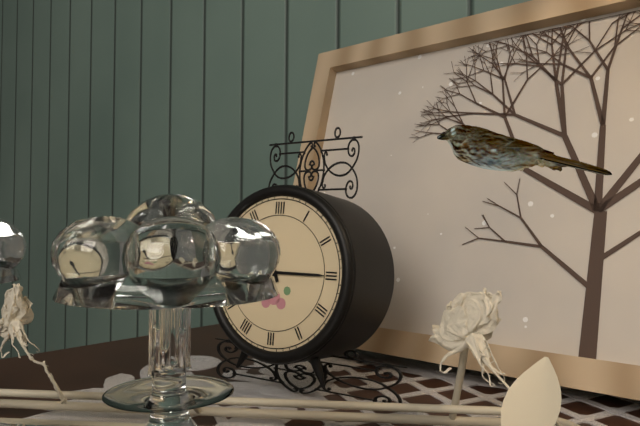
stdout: h=11 m=15
